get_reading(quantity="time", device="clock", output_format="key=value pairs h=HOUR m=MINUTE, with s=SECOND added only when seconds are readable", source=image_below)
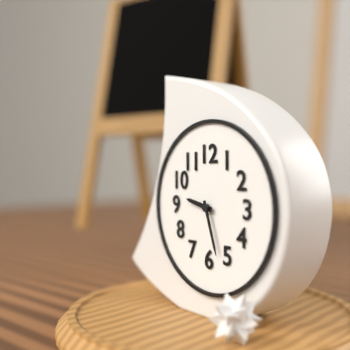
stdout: h=9 m=27
